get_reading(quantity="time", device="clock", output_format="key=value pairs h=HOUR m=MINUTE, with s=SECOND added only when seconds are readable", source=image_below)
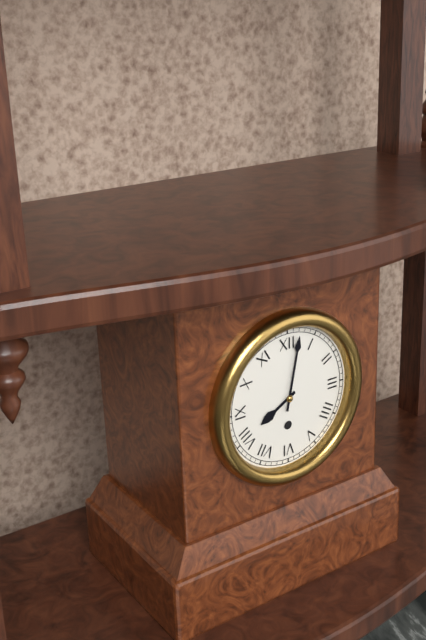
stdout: h=8 m=2
